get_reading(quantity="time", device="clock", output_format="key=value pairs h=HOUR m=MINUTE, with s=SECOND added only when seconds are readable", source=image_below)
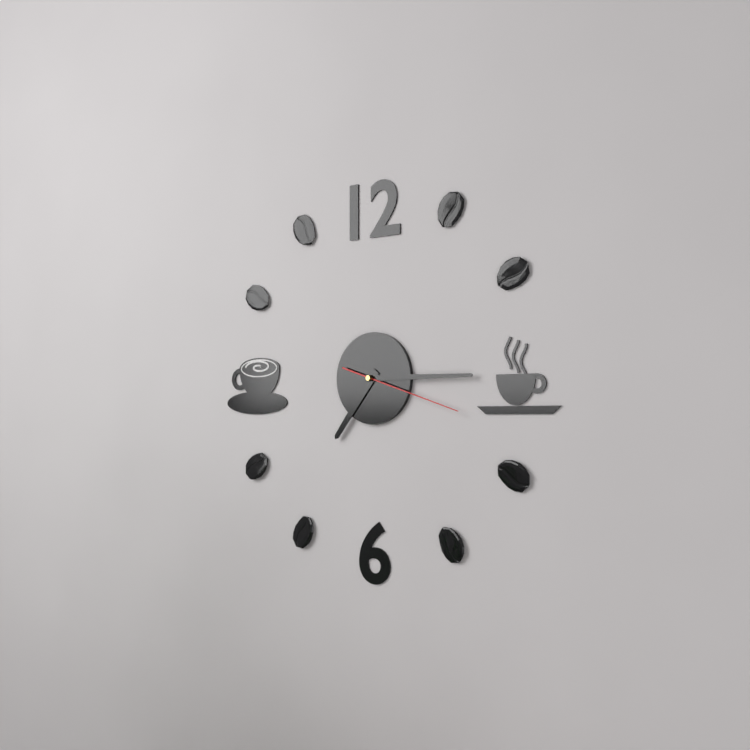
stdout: h=7 m=15 s=18
